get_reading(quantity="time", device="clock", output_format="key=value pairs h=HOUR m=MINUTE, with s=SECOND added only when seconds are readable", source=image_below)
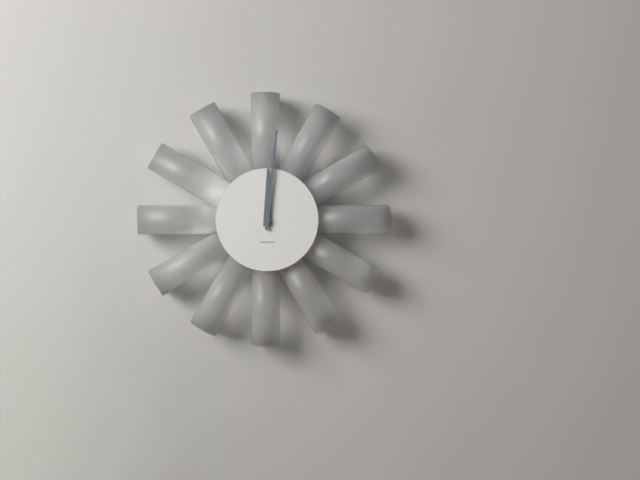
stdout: h=12 m=1
